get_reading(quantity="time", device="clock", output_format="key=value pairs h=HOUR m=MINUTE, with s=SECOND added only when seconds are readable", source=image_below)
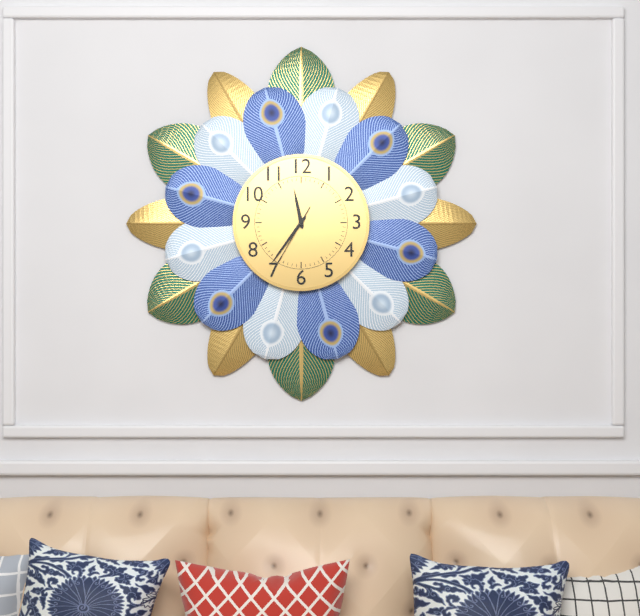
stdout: h=11 m=36 s=35
